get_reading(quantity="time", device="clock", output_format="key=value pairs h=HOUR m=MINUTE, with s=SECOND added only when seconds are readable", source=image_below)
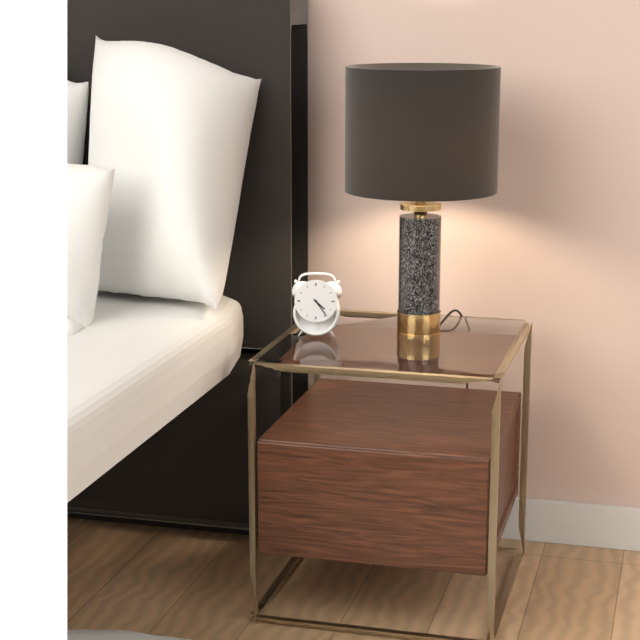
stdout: h=4 m=24
